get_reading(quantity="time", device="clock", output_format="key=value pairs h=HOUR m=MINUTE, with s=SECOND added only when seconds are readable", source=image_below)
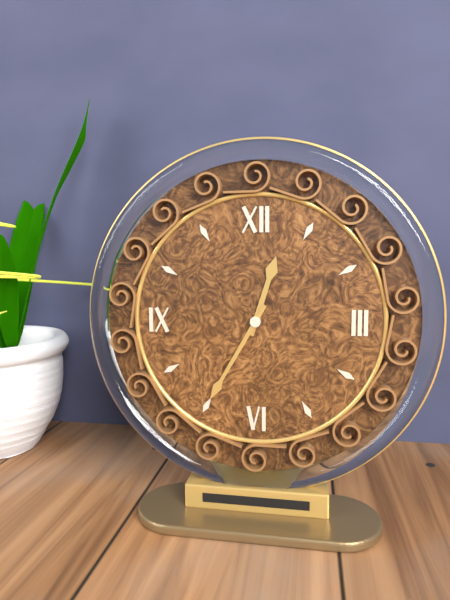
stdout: h=12 m=35
